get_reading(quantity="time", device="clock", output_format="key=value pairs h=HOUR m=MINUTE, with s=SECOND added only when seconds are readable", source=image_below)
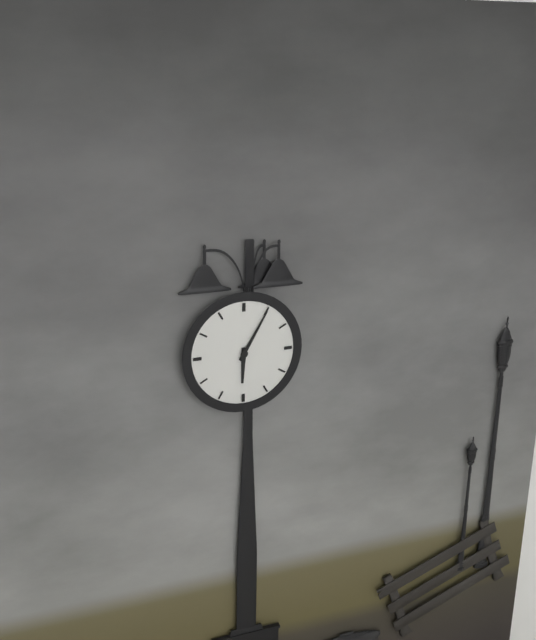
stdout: h=6 m=5
